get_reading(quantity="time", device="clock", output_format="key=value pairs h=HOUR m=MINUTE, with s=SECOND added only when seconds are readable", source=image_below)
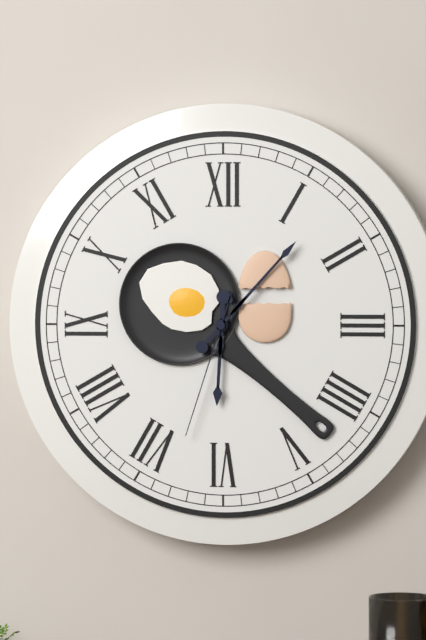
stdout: h=6 m=7 s=33
